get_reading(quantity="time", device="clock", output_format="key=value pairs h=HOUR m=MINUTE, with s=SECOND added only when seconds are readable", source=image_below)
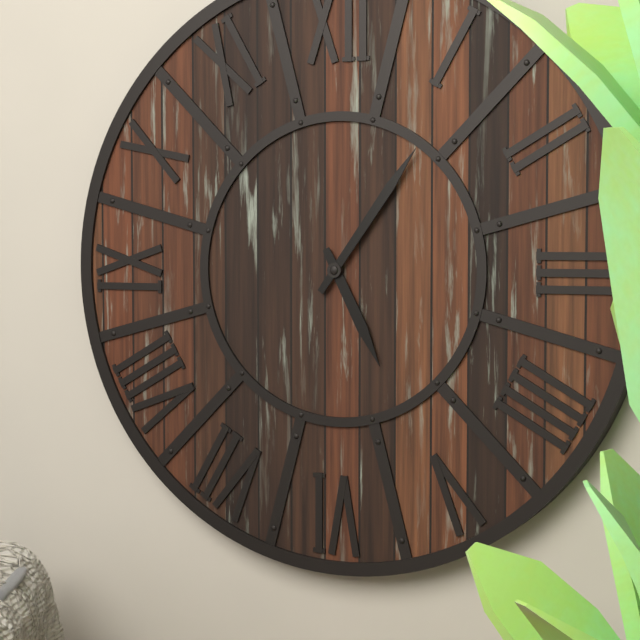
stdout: h=5 m=6
